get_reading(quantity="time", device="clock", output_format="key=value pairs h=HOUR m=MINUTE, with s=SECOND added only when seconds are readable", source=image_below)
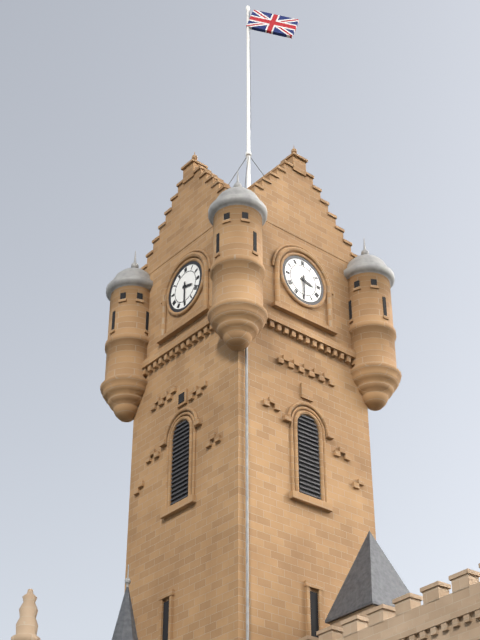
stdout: h=3 m=30
